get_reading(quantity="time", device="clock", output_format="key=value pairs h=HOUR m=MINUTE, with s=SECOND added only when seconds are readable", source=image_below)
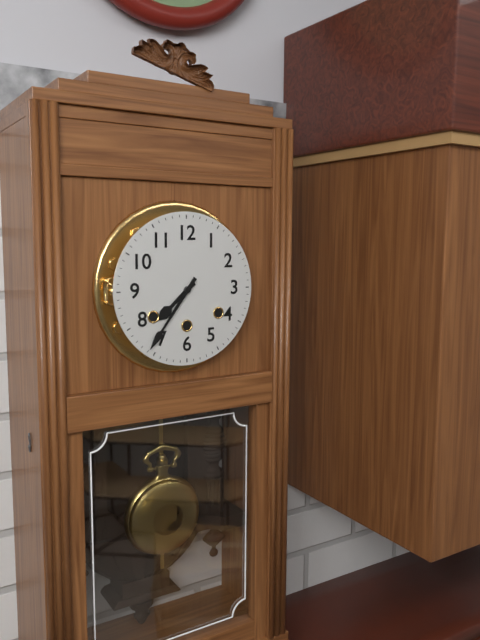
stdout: h=7 m=36
